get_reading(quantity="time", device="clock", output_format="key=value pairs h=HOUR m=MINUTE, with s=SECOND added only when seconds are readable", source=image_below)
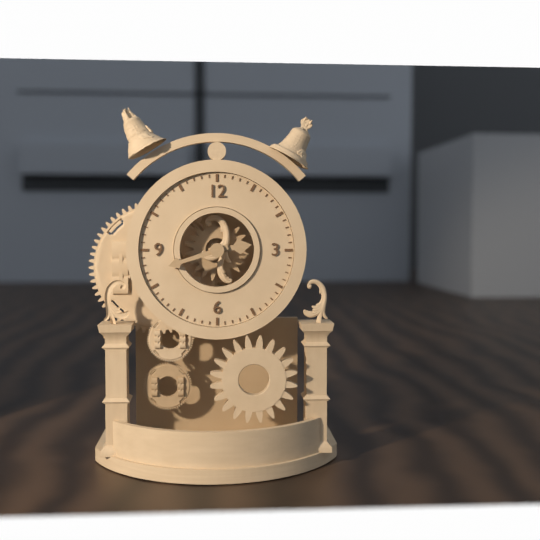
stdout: h=2 m=42
